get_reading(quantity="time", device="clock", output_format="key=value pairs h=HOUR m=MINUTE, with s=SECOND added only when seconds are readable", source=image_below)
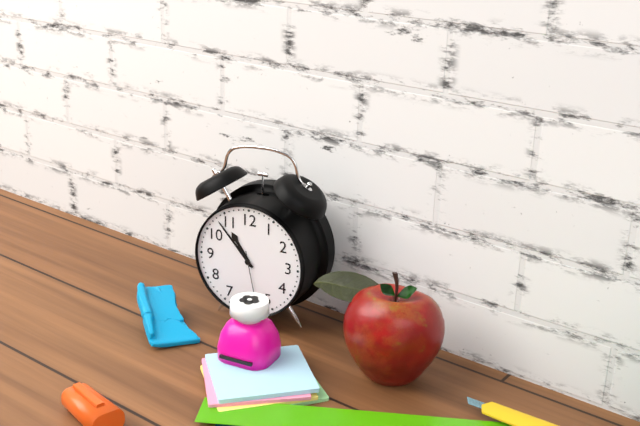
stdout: h=10 m=53
